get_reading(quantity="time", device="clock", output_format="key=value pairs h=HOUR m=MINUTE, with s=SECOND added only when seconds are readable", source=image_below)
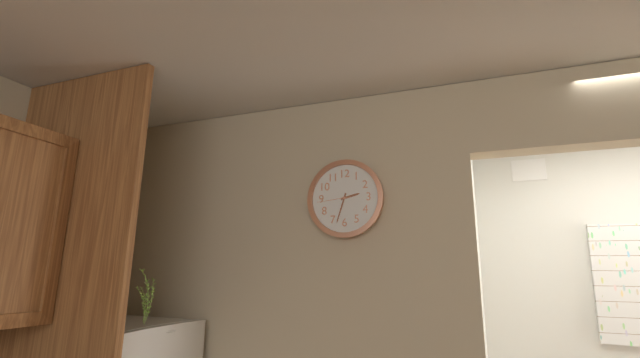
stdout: h=2 m=33
